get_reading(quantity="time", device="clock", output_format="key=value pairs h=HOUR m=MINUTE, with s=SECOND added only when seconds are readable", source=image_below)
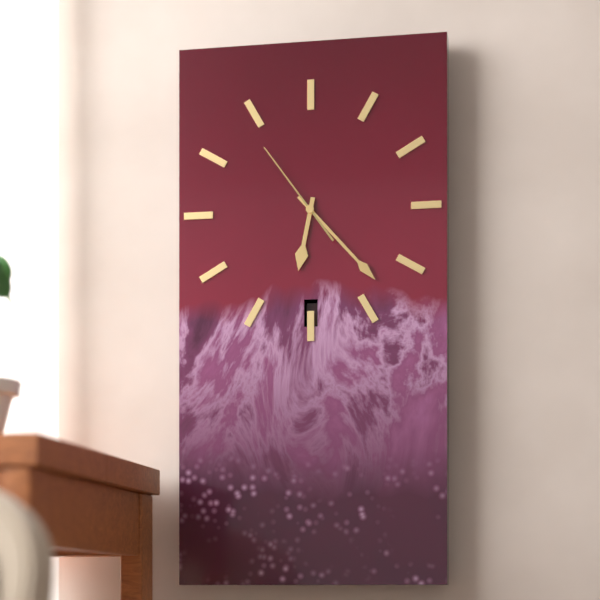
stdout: h=6 m=23 s=54
